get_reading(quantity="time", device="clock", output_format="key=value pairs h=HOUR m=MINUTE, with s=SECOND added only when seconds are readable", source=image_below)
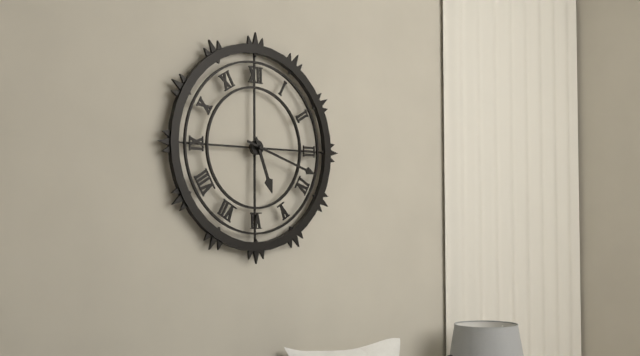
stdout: h=5 m=18
